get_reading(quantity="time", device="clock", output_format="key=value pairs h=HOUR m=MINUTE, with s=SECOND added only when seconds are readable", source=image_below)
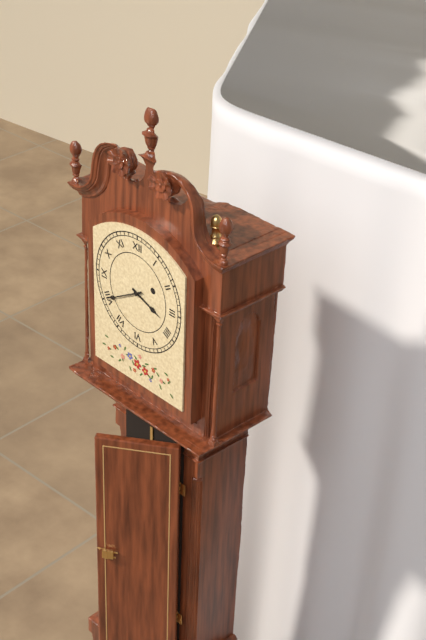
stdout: h=3 m=40
